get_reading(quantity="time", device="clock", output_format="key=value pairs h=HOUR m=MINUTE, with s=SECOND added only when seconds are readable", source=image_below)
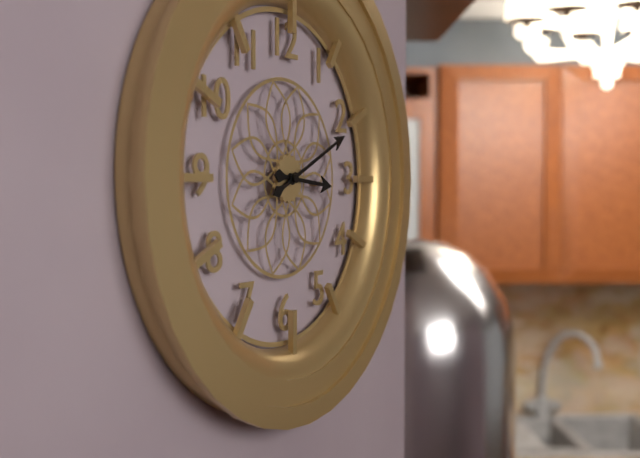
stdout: h=3 m=11
